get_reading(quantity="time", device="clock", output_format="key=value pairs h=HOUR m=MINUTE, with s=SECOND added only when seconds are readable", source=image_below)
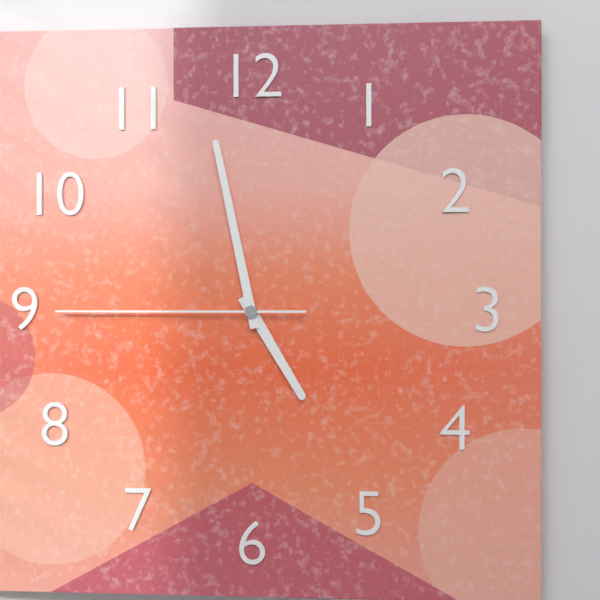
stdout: h=4 m=58 s=45
